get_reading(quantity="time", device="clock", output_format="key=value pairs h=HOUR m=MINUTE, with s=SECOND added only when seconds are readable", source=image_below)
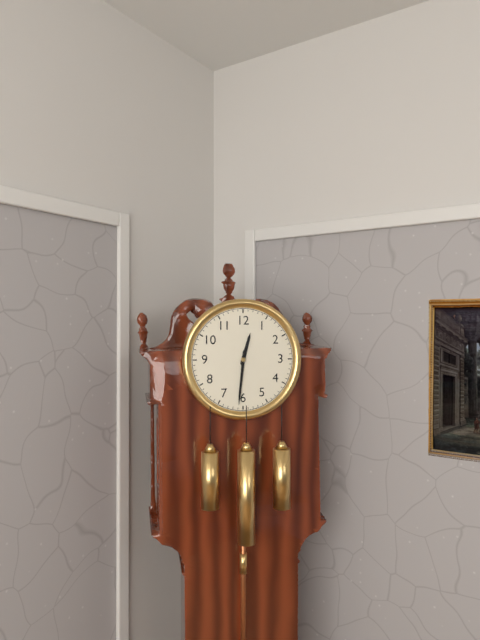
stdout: h=12 m=31
